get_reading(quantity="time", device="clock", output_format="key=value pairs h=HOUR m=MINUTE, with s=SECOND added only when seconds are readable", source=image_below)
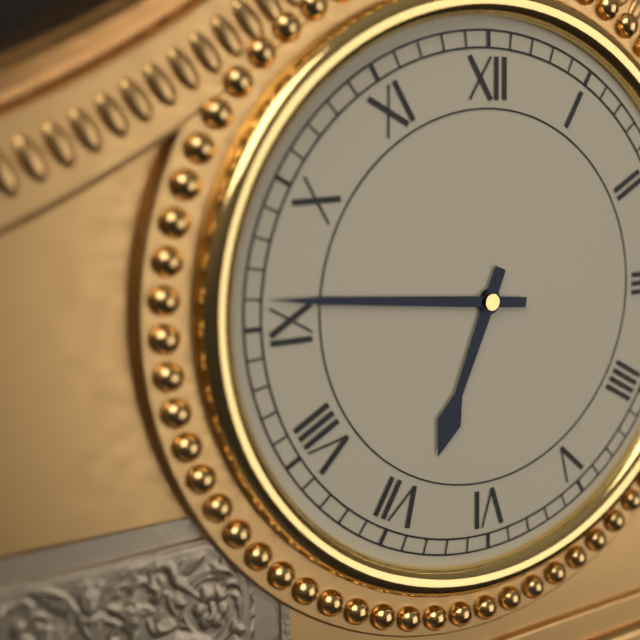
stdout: h=6 m=46
